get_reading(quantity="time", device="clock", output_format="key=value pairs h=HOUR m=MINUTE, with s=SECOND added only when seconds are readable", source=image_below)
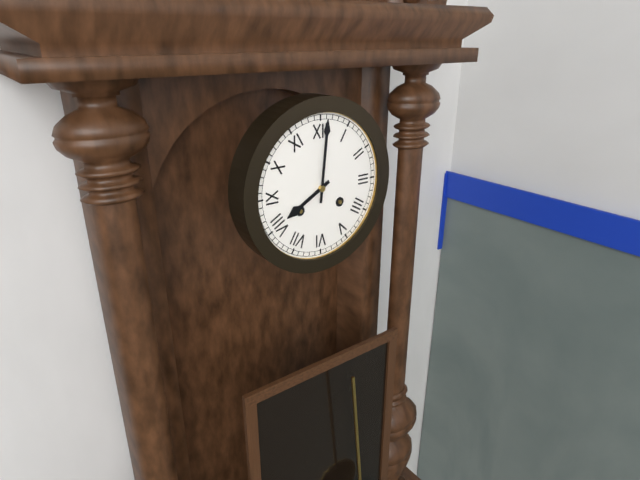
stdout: h=8 m=1
